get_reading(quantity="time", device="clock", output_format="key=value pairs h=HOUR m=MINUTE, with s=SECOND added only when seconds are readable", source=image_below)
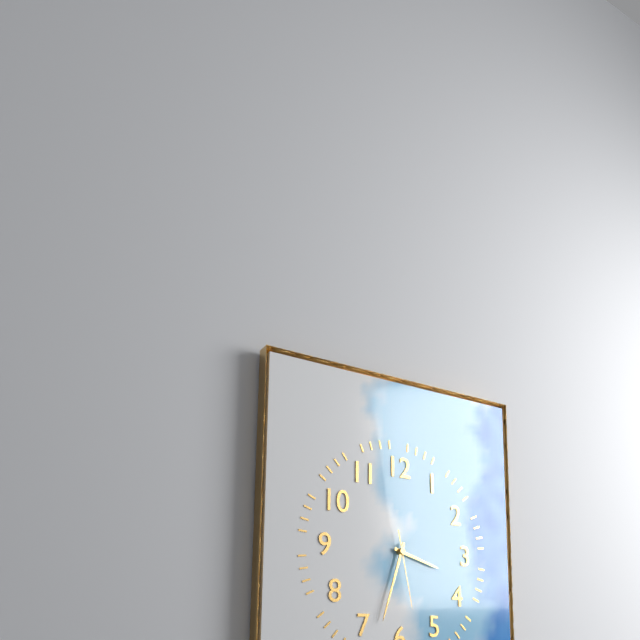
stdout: h=3 m=33 s=28
